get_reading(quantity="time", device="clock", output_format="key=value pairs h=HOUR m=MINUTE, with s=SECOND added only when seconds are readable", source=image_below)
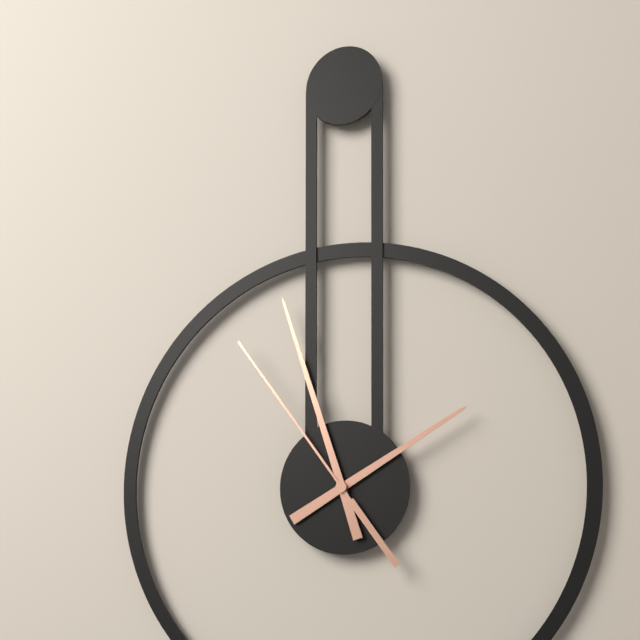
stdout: h=1 m=57 s=54
